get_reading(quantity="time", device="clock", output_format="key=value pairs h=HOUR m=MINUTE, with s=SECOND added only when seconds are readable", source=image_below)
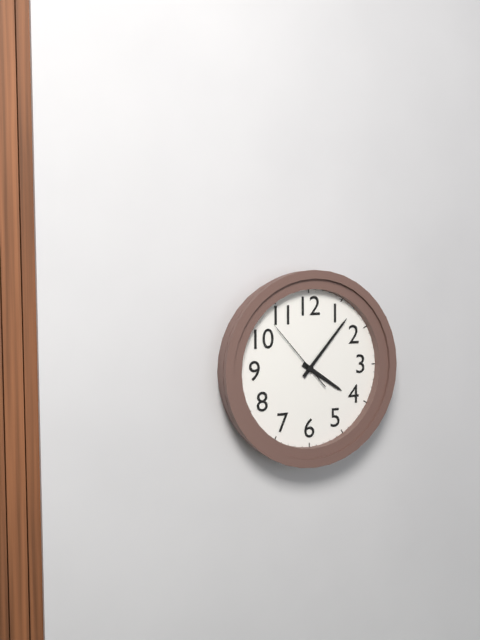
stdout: h=4 m=7 s=53
